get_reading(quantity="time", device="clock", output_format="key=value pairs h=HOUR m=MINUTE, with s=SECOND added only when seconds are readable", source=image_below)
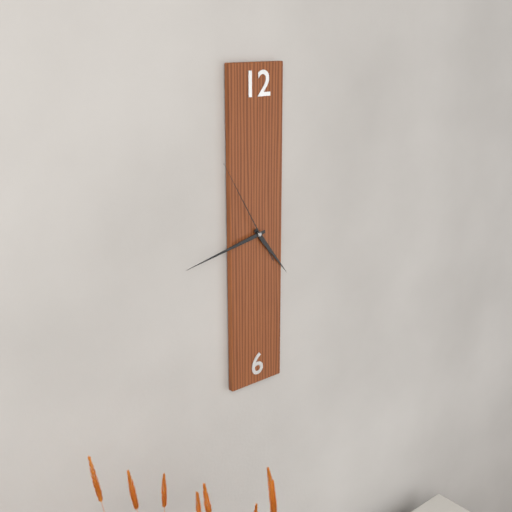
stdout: h=4 m=43 s=55
